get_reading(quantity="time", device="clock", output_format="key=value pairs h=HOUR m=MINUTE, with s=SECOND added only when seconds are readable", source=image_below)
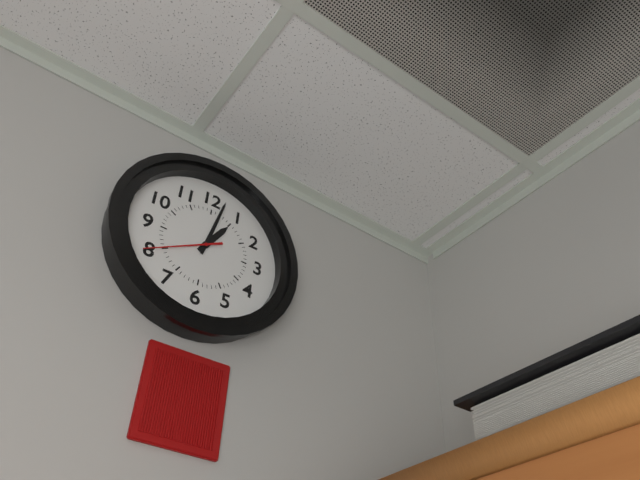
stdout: h=1 m=2 s=40
